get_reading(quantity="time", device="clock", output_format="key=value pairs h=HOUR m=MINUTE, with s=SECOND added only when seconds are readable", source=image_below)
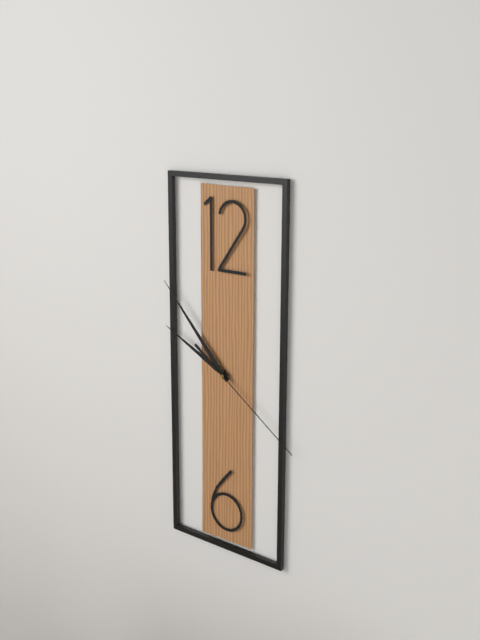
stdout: h=9 m=53 s=21
